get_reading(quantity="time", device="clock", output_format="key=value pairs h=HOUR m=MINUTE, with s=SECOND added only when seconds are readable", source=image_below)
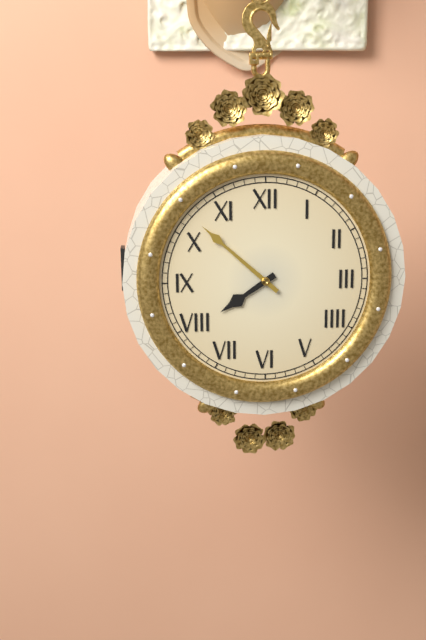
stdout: h=7 m=52
